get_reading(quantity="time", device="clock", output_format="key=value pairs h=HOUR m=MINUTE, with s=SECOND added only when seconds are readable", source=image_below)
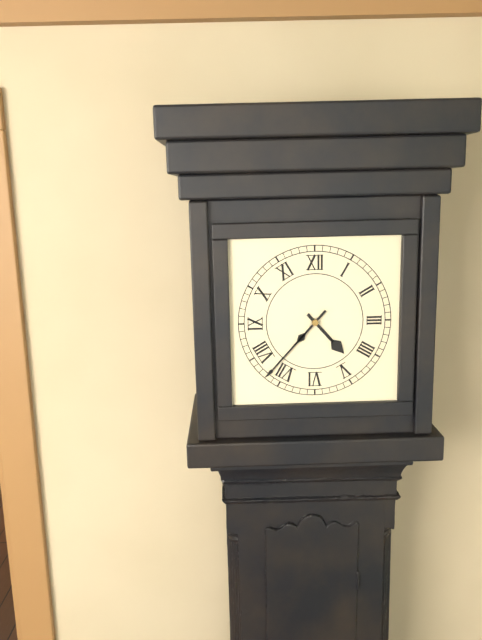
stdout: h=4 m=37
